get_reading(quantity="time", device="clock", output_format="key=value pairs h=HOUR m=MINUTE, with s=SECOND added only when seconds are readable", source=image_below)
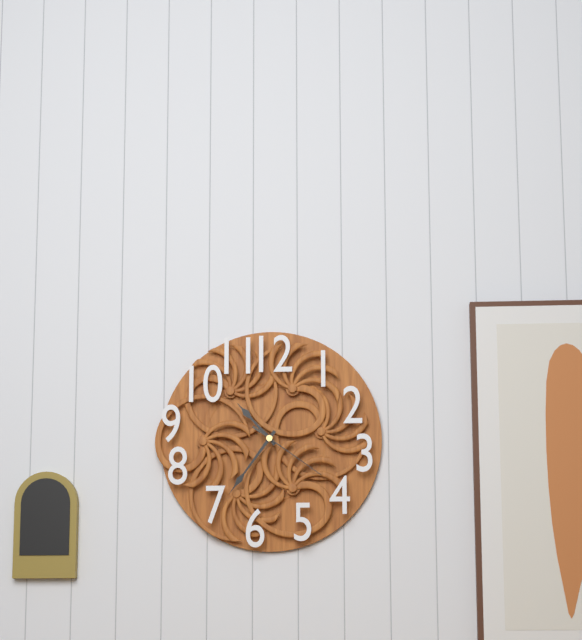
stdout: h=10 m=36 s=21
